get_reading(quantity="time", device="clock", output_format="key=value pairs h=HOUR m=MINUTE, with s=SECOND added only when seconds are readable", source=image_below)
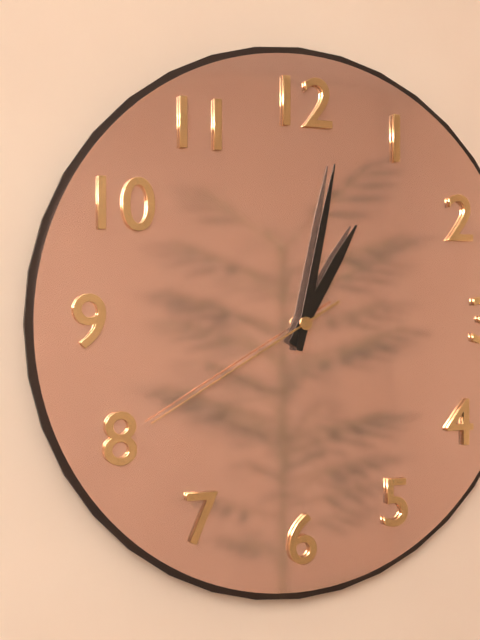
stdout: h=1 m=2 s=40
